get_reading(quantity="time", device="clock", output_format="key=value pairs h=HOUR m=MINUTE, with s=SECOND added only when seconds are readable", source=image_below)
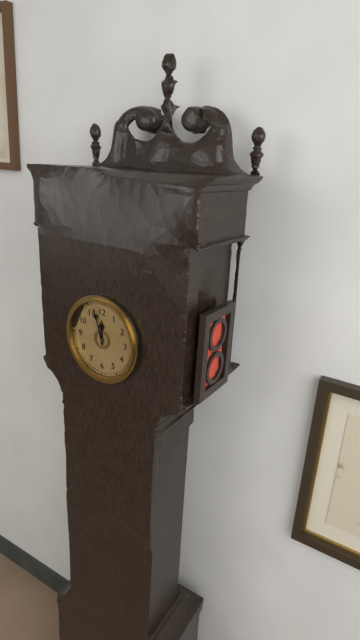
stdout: h=11 m=57
